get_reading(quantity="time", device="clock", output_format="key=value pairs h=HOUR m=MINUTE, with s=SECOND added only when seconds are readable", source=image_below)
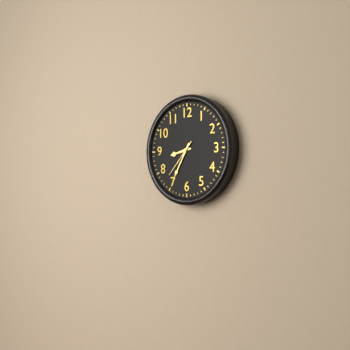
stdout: h=8 m=35
